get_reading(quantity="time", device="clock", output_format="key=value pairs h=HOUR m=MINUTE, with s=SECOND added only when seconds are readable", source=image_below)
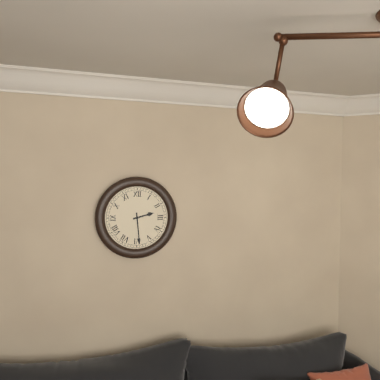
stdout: h=2 m=29
